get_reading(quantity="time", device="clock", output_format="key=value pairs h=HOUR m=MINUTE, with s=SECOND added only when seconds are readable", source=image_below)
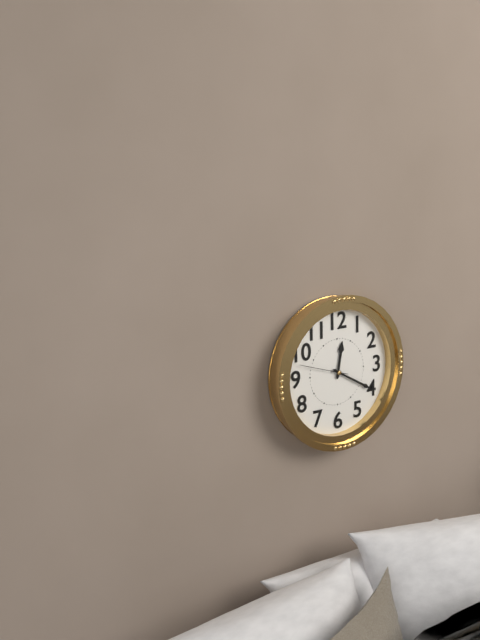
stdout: h=12 m=20
